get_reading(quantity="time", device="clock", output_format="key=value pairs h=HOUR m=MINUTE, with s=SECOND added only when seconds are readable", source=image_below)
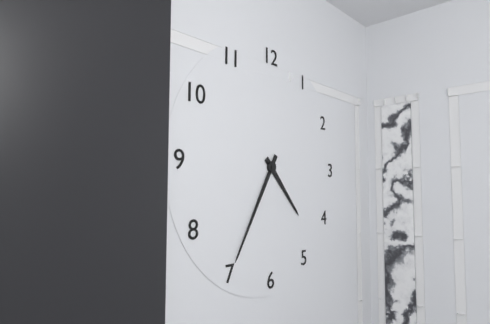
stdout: h=4 m=35
